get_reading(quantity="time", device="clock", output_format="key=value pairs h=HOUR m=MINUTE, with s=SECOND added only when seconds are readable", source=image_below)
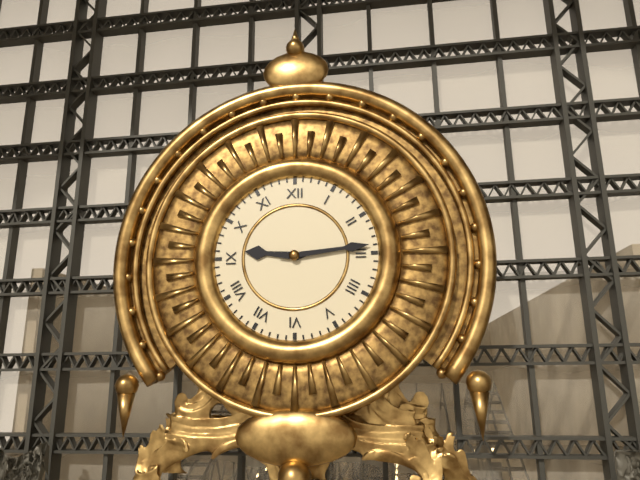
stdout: h=9 m=14
